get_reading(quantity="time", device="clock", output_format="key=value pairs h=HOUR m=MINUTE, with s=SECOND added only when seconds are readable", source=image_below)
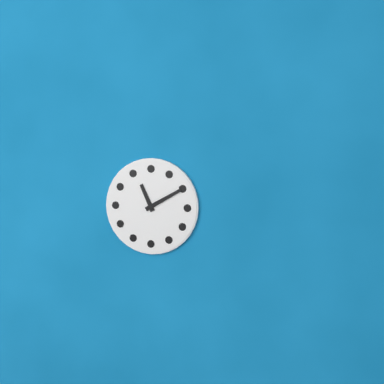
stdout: h=11 m=10
